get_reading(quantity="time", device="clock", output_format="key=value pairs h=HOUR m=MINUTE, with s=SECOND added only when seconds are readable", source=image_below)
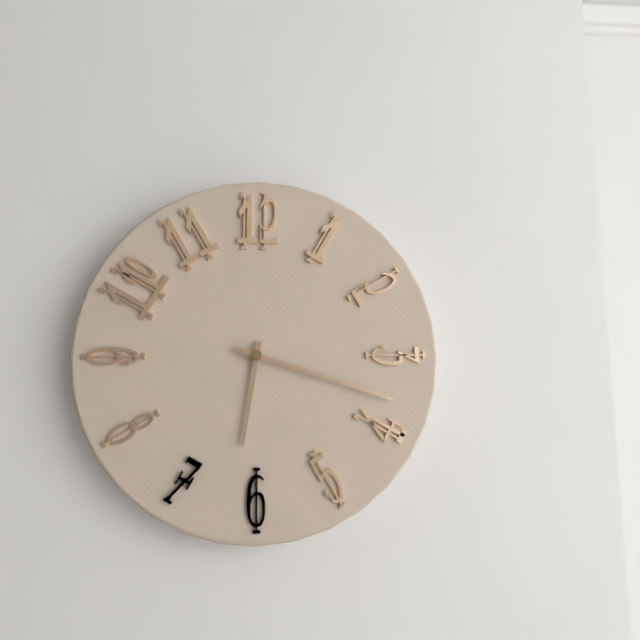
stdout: h=6 m=18
